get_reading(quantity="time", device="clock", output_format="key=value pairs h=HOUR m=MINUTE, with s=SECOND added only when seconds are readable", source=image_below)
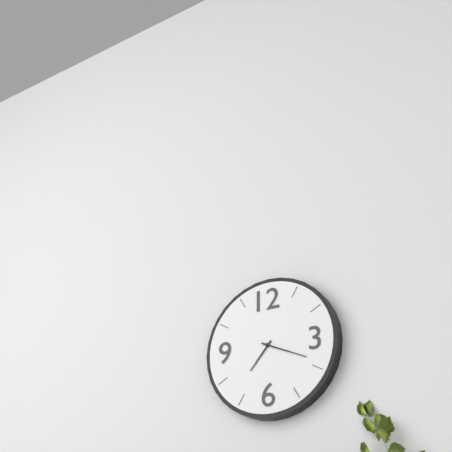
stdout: h=7 m=19
